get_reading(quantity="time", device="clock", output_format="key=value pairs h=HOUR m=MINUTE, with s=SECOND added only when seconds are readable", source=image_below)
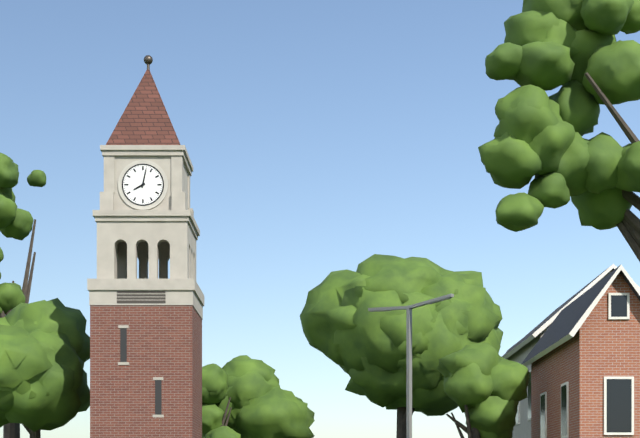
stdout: h=8 m=2
